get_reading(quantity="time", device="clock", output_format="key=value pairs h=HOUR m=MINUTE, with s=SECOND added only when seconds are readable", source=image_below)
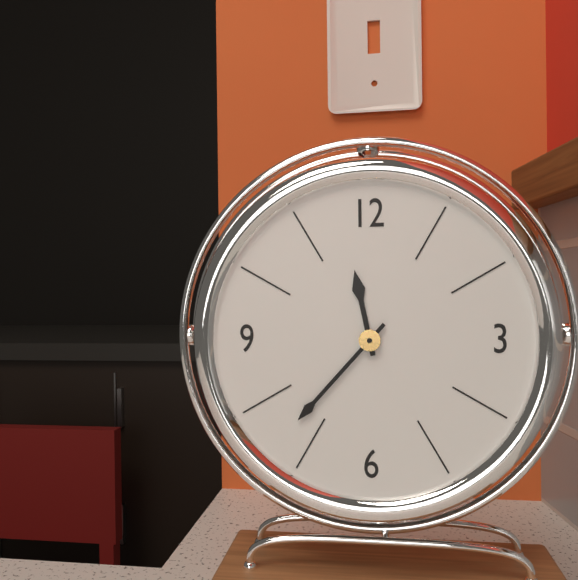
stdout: h=11 m=37
